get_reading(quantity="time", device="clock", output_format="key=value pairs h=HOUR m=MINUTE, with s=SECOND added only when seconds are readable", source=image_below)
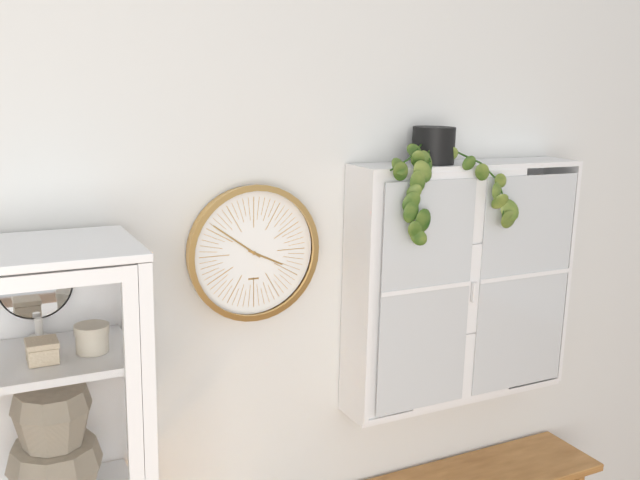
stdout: h=3 m=51
